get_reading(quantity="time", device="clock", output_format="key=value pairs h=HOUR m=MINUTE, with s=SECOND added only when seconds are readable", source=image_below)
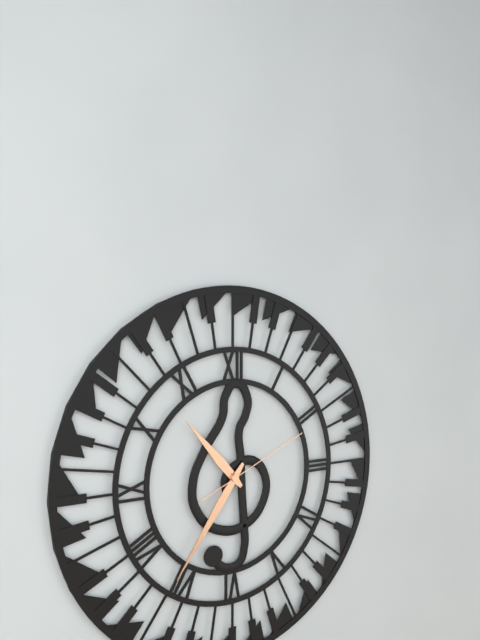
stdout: h=10 m=36 s=11
